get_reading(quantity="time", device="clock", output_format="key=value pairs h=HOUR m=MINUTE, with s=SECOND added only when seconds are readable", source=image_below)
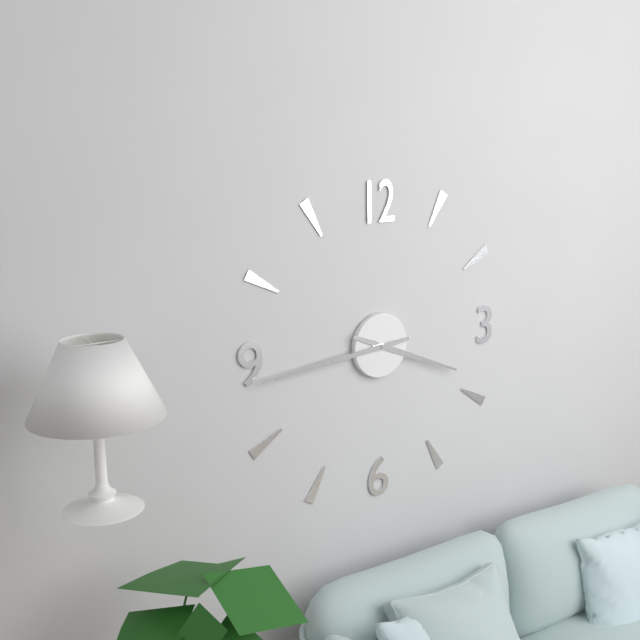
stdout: h=3 m=44
